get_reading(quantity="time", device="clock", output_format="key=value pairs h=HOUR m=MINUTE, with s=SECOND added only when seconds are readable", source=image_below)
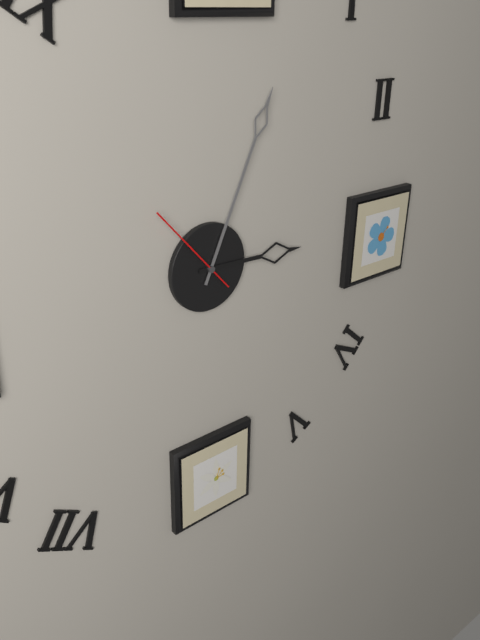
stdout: h=3 m=4 s=53
